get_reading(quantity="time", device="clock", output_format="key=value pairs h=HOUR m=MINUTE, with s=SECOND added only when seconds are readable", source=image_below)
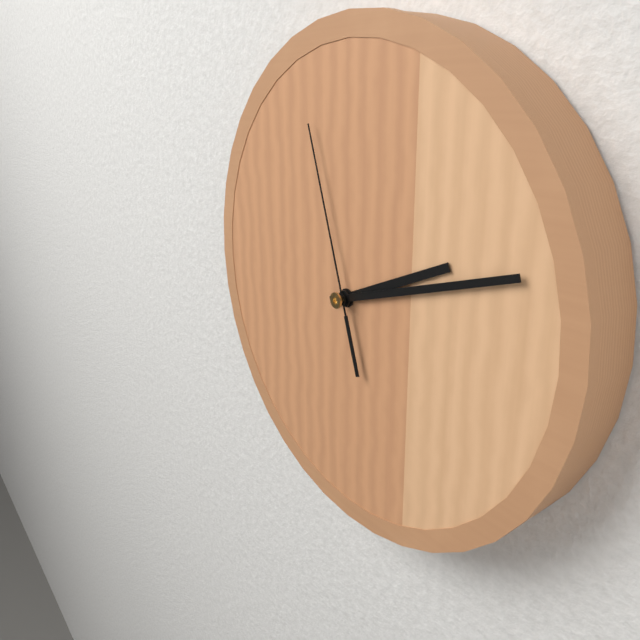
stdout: h=2 m=12 s=57
